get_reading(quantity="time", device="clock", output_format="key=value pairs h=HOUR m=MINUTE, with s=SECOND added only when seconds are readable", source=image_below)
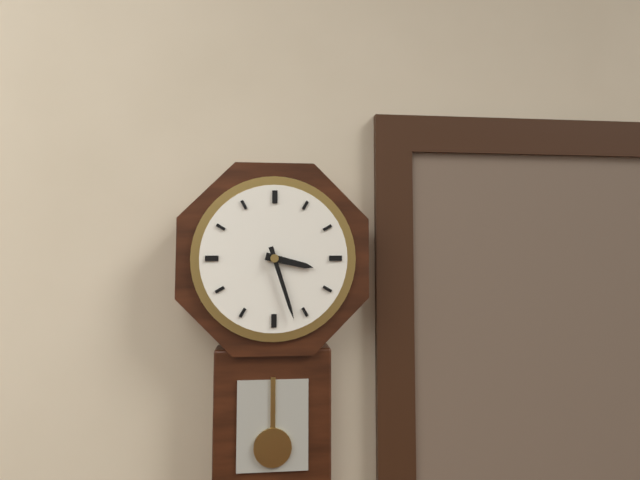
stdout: h=3 m=27
